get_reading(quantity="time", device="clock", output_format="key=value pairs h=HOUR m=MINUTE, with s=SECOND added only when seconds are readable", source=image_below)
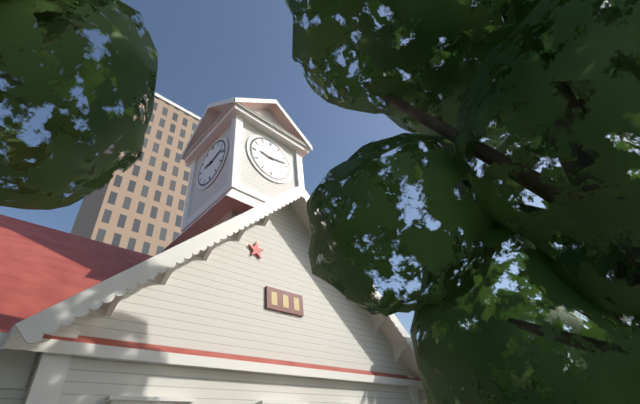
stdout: h=9 m=13
